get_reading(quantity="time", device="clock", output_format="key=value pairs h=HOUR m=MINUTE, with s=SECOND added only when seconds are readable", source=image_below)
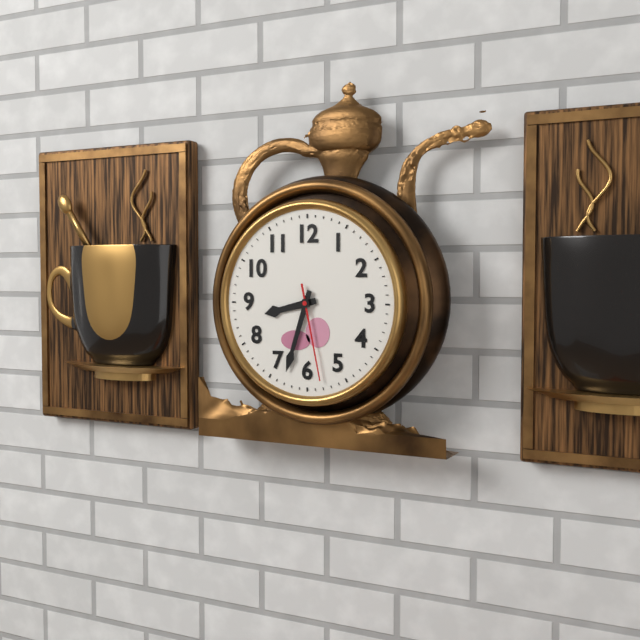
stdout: h=8 m=33 s=28
